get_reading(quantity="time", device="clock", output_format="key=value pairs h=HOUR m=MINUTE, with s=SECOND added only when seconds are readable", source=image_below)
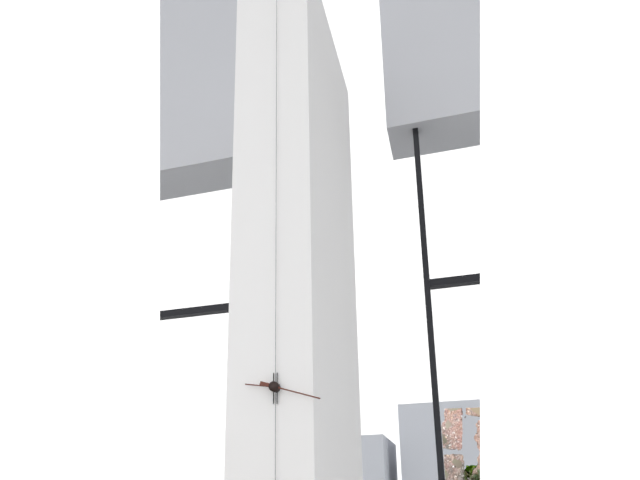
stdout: h=9 m=18
